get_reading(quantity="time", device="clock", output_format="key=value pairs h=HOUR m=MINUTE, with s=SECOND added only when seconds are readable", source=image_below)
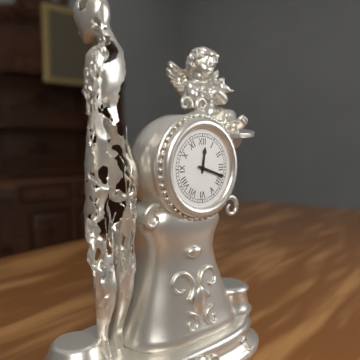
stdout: h=12 m=18
